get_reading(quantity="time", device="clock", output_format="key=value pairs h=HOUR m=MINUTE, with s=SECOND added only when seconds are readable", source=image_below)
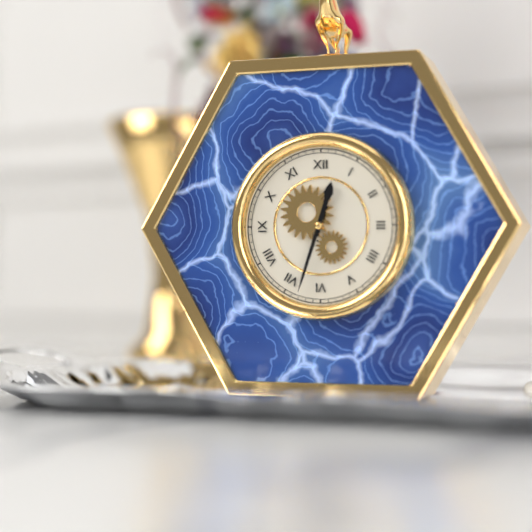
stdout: h=12 m=33
